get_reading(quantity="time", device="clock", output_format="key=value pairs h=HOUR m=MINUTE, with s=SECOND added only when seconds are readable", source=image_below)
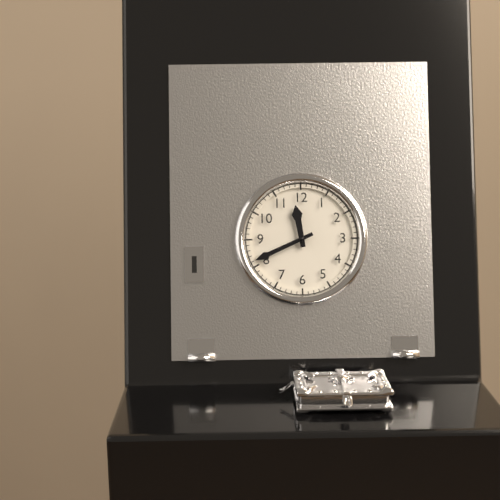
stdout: h=11 m=41
